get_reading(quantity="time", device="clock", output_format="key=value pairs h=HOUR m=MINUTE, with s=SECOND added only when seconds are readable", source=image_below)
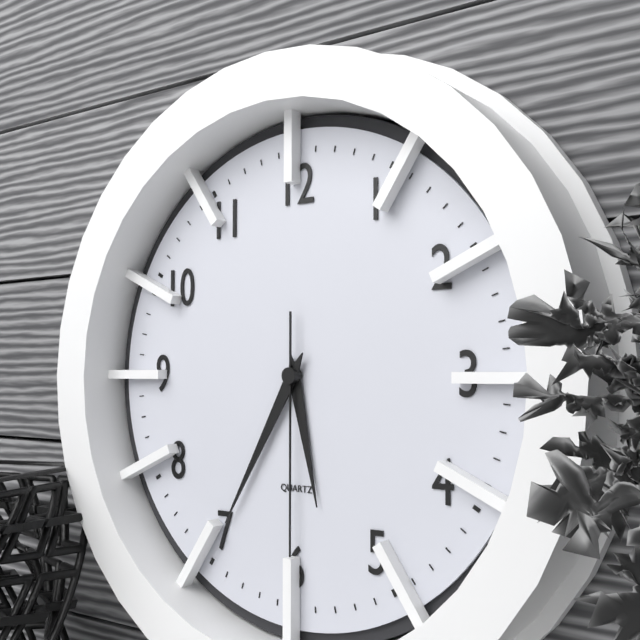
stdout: h=5 m=35 s=30
